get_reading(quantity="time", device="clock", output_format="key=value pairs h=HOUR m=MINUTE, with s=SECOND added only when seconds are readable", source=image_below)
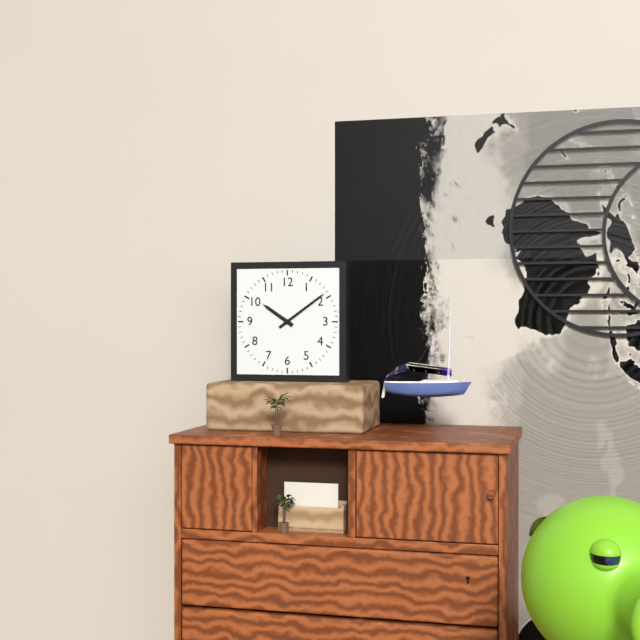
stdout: h=10 m=9
